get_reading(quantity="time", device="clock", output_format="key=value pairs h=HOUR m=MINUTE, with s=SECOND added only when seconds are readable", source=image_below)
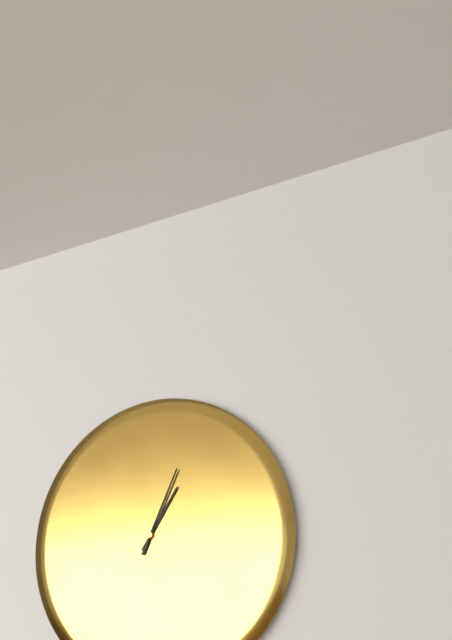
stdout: h=1 m=4
